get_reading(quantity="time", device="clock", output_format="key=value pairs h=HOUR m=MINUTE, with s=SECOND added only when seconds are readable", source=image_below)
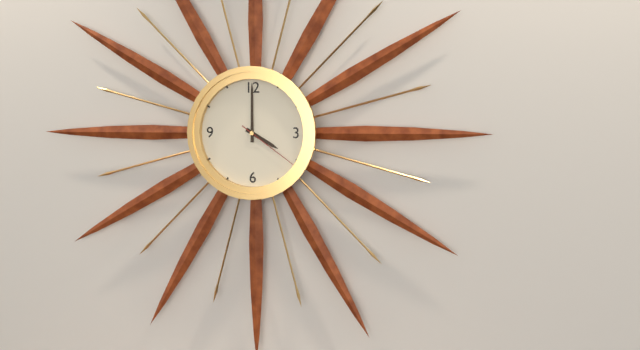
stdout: h=4 m=0 s=21
